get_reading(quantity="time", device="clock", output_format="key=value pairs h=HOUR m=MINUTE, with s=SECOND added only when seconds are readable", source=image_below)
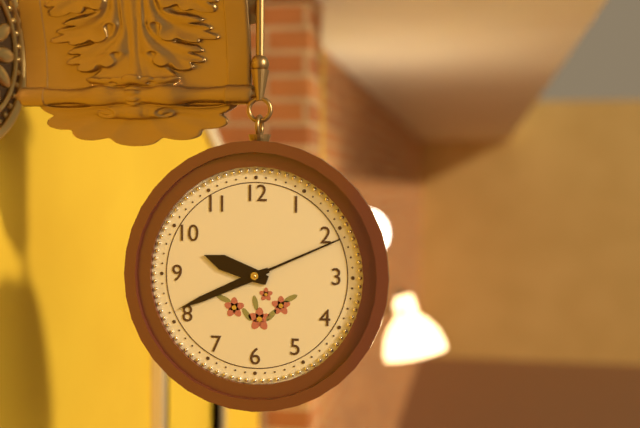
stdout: h=9 m=41 s=11
